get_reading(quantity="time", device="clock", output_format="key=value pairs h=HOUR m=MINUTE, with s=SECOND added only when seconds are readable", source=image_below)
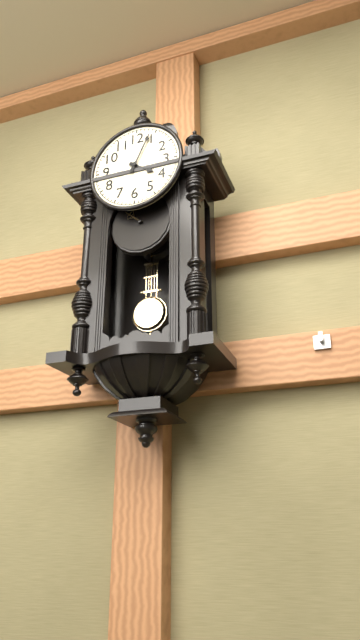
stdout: h=4 m=4
